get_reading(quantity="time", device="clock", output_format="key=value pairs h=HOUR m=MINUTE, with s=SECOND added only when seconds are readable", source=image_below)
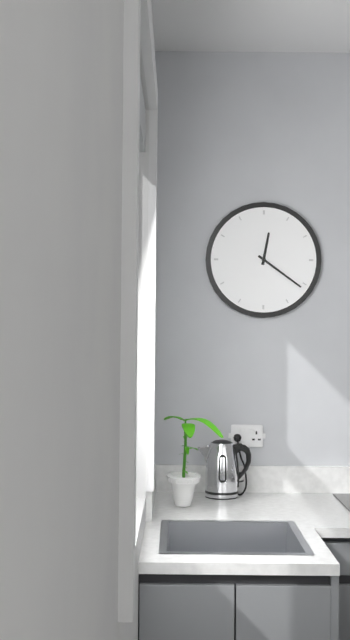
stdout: h=12 m=21
